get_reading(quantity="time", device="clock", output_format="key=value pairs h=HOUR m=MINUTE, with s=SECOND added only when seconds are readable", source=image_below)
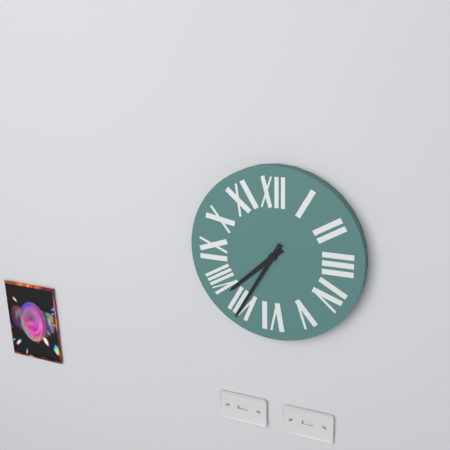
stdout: h=7 m=35
